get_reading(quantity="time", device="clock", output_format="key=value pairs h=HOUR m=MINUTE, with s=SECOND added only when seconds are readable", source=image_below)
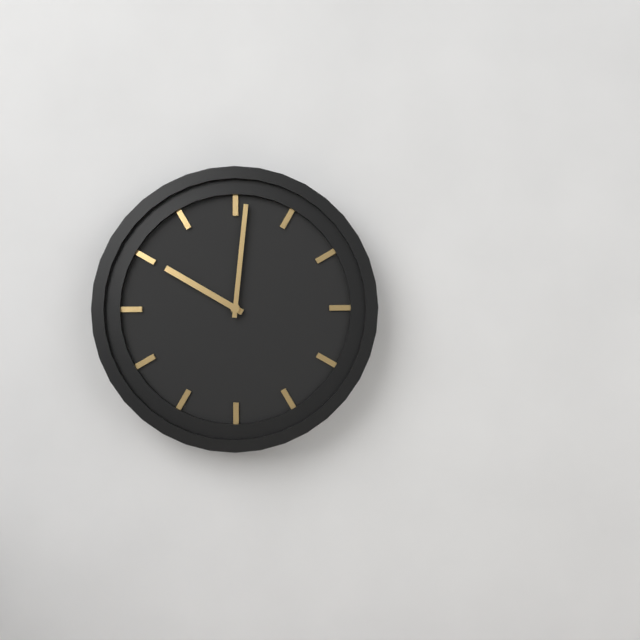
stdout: h=10 m=1
